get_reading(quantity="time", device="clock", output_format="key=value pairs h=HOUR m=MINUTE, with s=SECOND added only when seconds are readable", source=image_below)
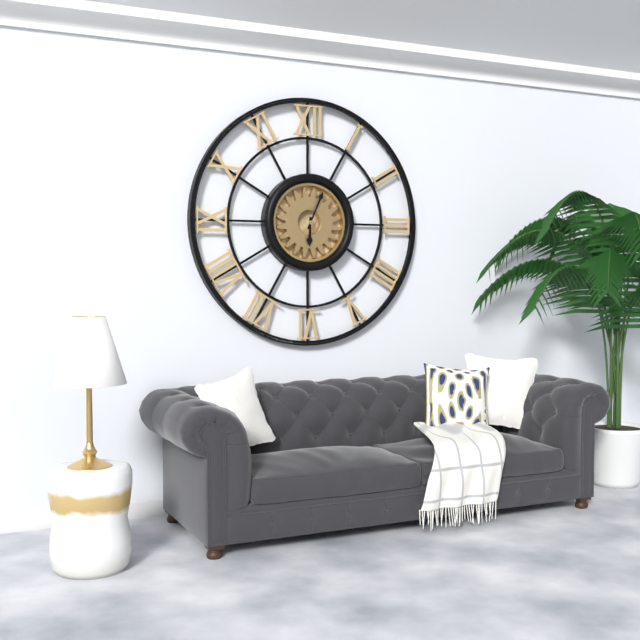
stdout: h=6 m=4
